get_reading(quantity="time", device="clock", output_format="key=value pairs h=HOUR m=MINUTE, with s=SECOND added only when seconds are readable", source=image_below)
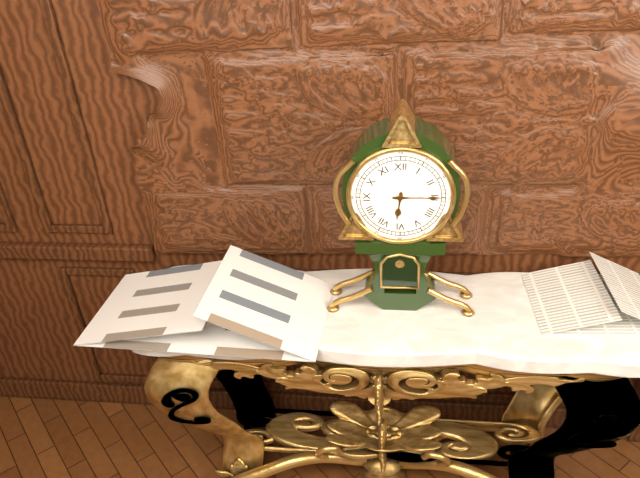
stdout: h=6 m=15
